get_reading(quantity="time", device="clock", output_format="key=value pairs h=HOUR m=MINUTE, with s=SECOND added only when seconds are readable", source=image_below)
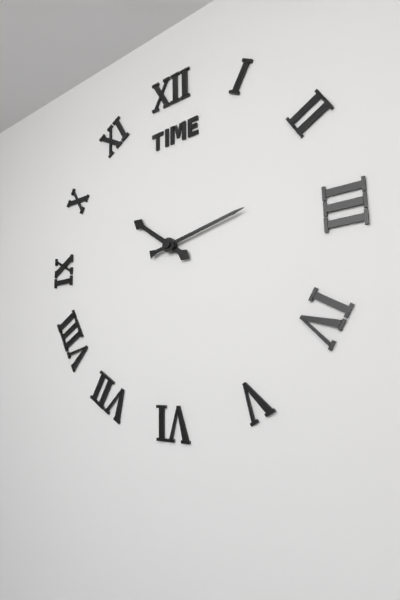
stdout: h=10 m=13
